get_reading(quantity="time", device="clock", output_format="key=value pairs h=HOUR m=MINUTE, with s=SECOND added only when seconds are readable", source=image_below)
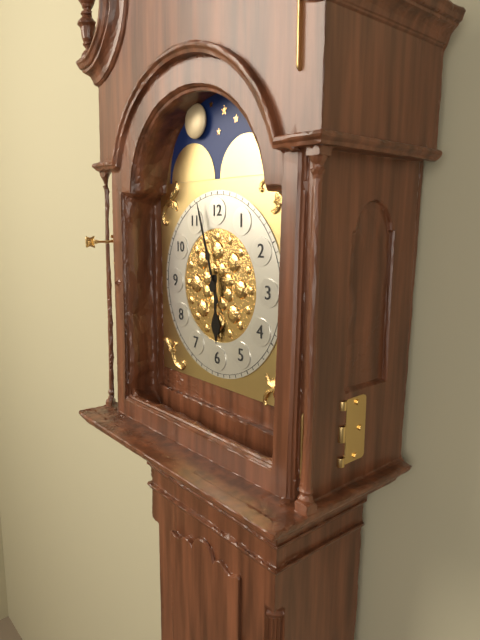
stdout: h=5 m=57
